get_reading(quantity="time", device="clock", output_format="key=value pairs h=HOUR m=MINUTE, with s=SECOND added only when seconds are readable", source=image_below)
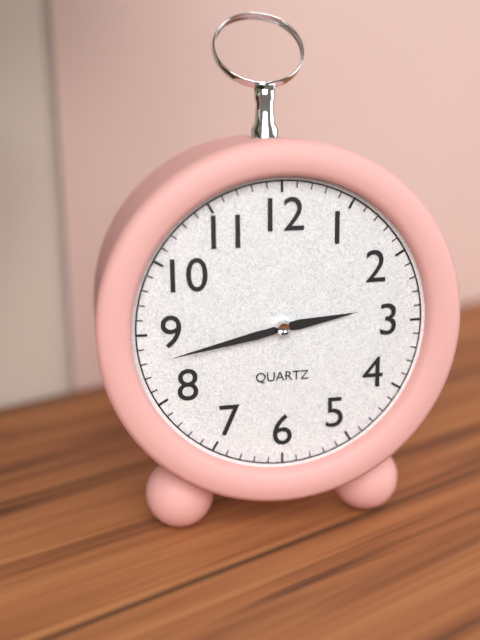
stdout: h=2 m=43
